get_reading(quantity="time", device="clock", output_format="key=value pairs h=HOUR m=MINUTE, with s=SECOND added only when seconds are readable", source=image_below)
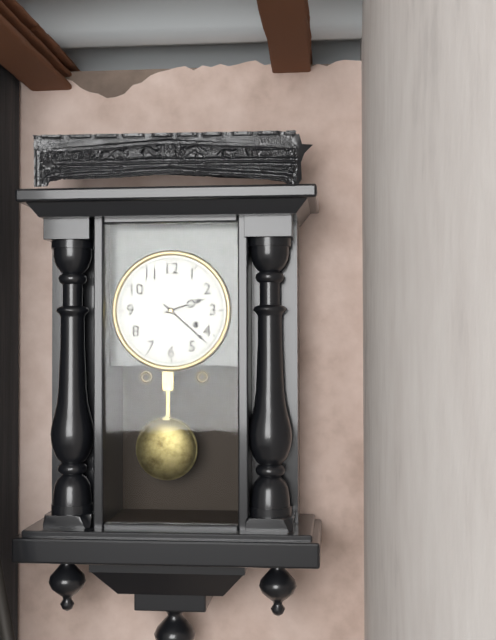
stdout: h=2 m=22
